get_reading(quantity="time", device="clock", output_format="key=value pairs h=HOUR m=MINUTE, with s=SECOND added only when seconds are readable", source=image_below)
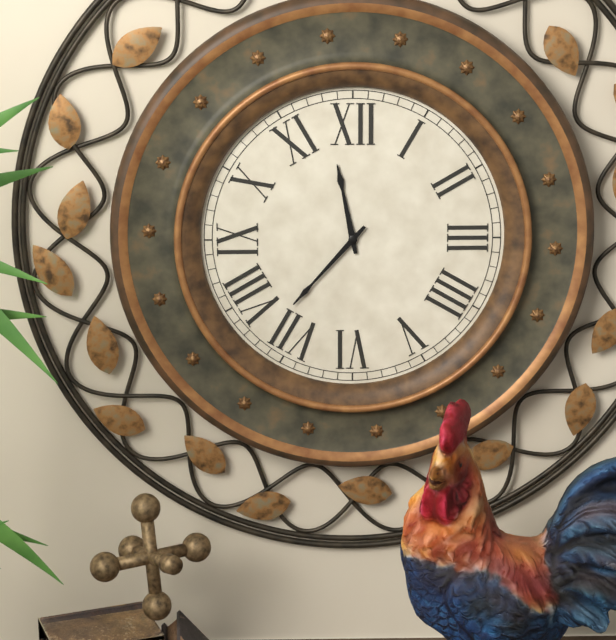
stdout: h=11 m=37
